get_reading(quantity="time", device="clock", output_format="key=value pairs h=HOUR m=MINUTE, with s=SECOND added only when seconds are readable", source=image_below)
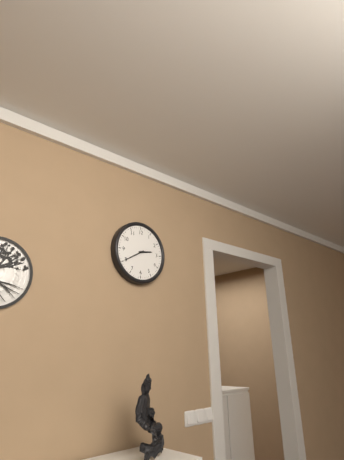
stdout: h=2 m=40
